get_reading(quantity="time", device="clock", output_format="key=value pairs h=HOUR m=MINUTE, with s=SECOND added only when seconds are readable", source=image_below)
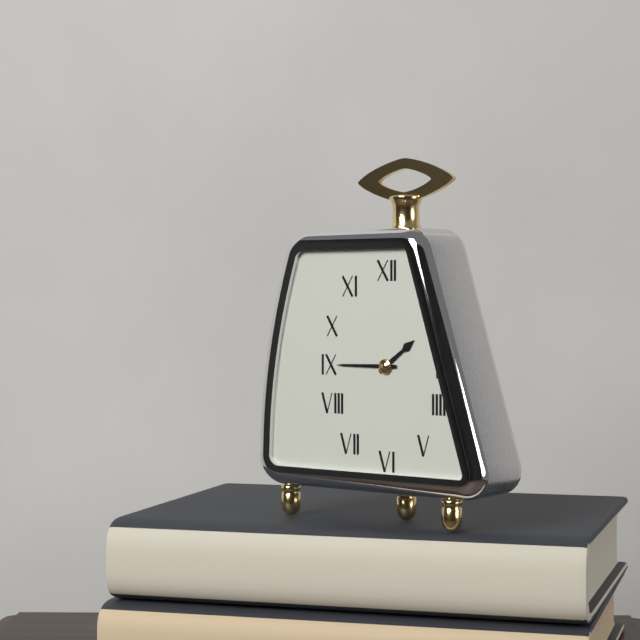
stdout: h=1 m=45
